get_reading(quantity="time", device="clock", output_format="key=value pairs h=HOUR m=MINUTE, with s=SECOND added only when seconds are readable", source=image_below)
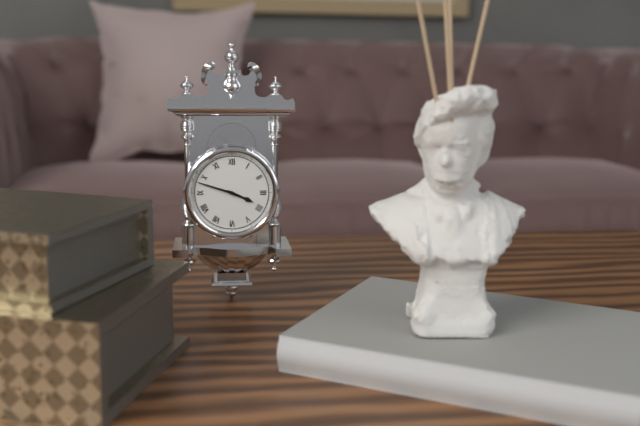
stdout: h=3 m=48
